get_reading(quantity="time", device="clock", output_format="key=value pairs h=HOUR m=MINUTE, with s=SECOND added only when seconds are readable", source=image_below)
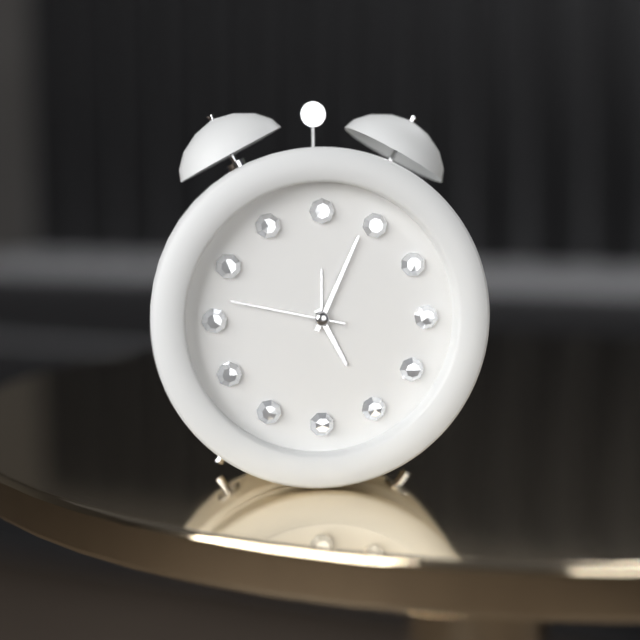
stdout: h=5 m=4 s=47
